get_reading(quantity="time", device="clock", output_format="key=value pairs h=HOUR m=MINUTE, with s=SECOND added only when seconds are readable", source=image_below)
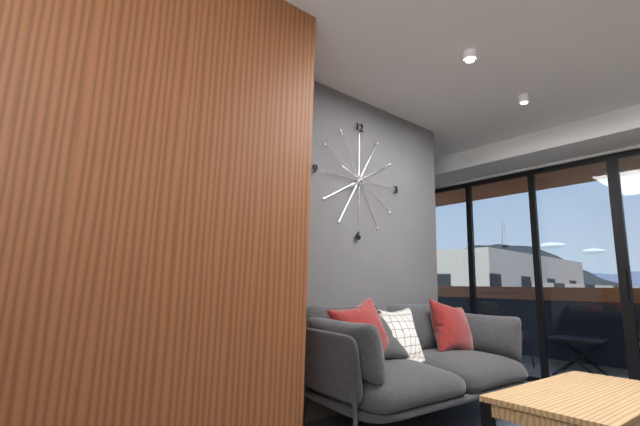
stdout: h=7 m=48
